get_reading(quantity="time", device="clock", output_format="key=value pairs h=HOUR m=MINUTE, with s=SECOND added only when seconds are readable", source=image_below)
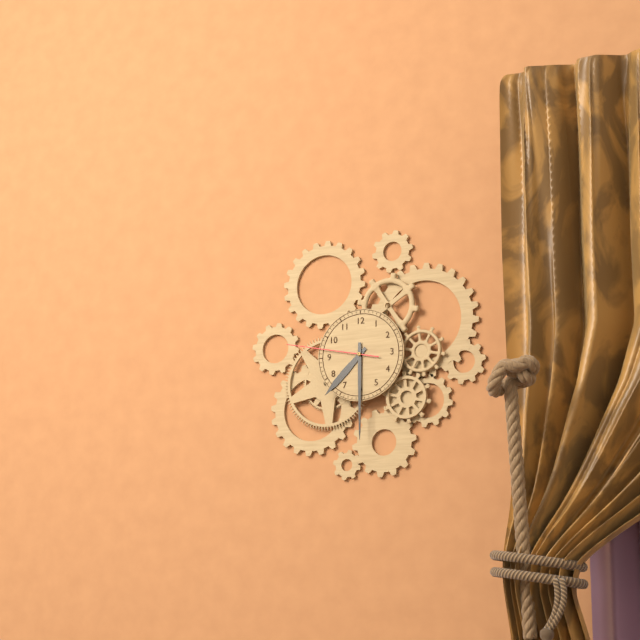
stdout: h=7 m=30 s=47
